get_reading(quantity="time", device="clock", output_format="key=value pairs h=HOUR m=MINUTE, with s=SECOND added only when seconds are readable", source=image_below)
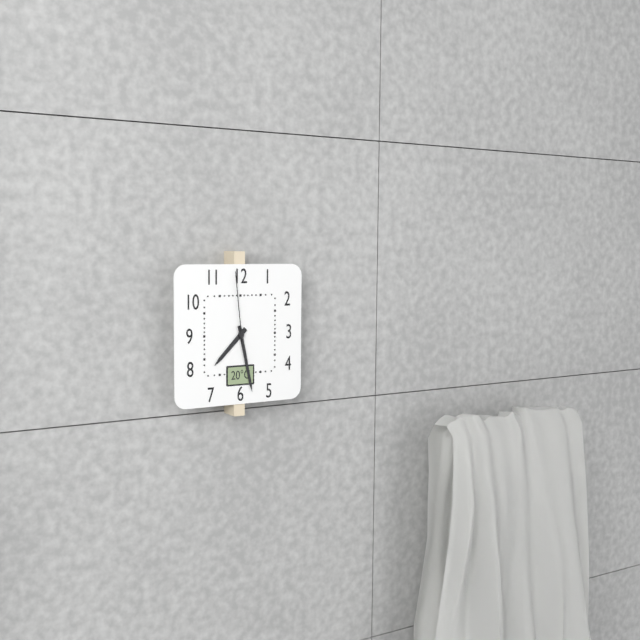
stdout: h=7 m=28 s=59
